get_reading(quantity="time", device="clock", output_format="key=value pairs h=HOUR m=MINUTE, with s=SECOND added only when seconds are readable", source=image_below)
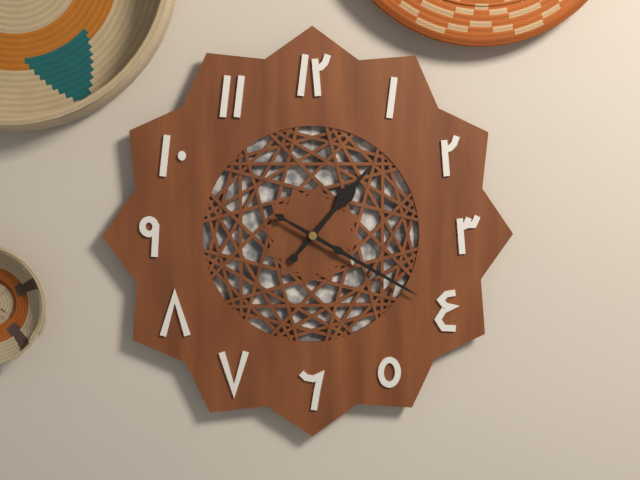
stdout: h=1 m=20
